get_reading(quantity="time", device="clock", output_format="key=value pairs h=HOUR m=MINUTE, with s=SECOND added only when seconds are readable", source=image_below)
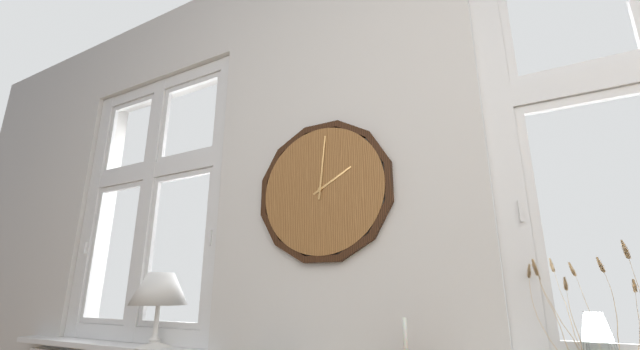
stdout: h=2 m=1
